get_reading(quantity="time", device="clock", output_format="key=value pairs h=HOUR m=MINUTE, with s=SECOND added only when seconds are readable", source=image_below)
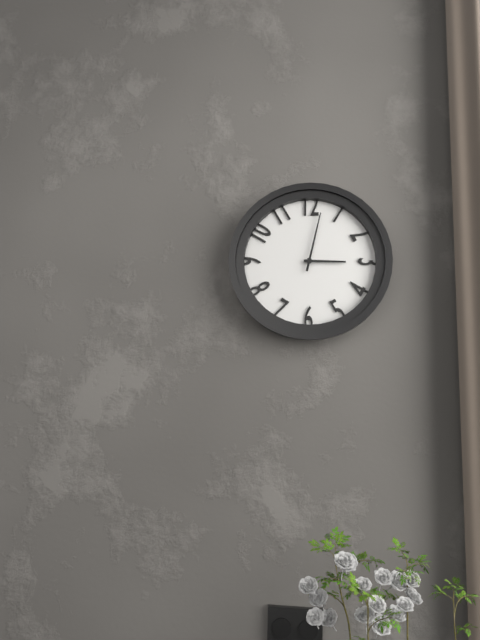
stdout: h=3 m=2
